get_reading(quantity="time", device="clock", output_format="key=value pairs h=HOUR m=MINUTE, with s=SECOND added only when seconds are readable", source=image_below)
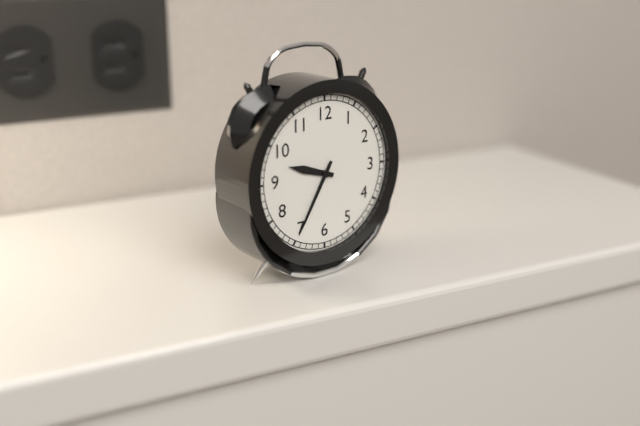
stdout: h=9 m=35
